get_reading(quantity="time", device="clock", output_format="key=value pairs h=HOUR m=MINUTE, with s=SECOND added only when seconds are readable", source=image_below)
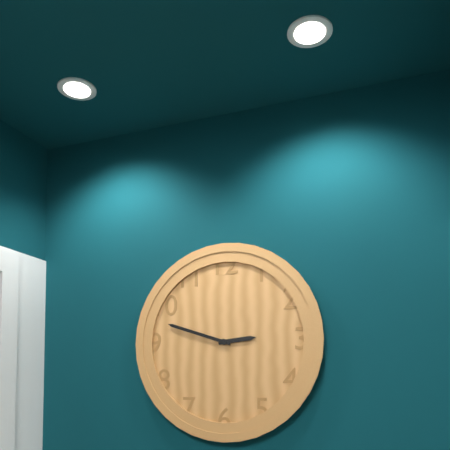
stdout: h=2 m=48
